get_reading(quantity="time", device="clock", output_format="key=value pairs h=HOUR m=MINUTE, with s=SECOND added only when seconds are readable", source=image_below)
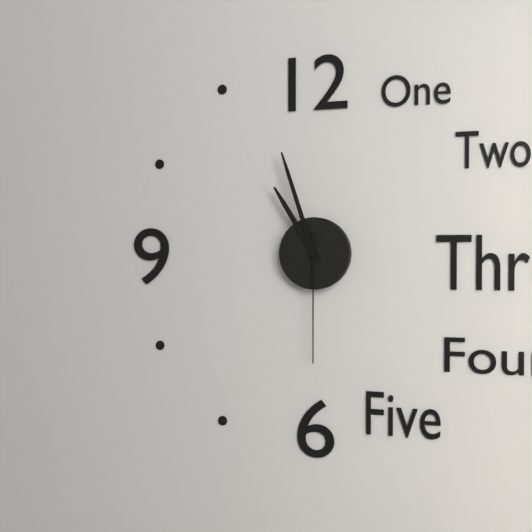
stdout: h=10 m=57 s=30
